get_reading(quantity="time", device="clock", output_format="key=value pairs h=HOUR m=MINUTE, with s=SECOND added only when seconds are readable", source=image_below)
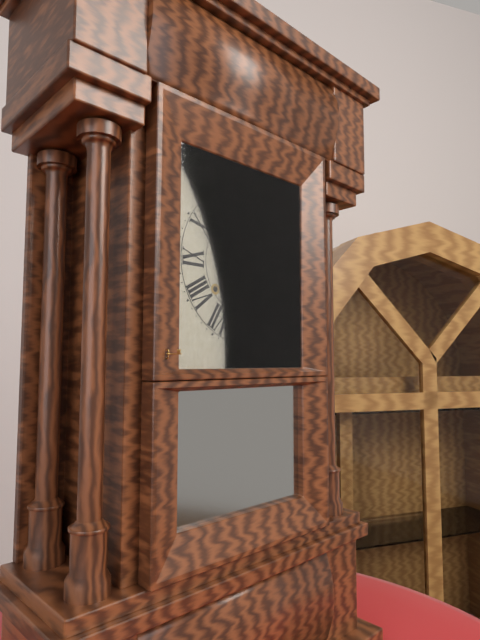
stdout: h=6 m=6
